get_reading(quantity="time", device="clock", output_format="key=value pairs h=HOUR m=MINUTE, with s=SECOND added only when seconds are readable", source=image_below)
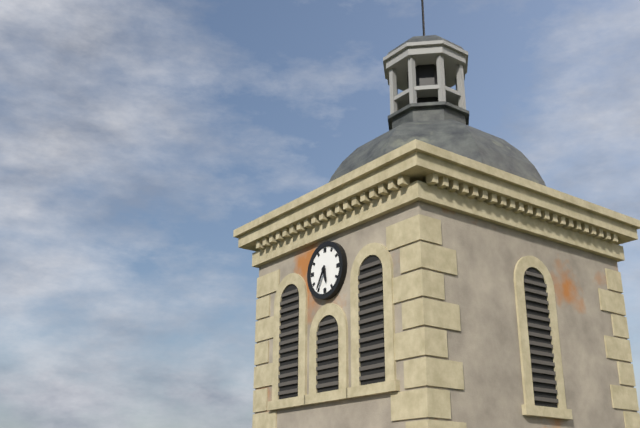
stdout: h=5 m=35
